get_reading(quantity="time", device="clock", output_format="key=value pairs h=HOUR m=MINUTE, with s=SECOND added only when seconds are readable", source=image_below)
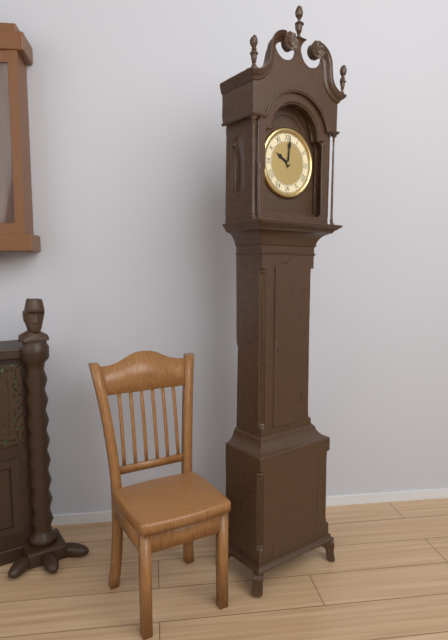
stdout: h=10 m=1
